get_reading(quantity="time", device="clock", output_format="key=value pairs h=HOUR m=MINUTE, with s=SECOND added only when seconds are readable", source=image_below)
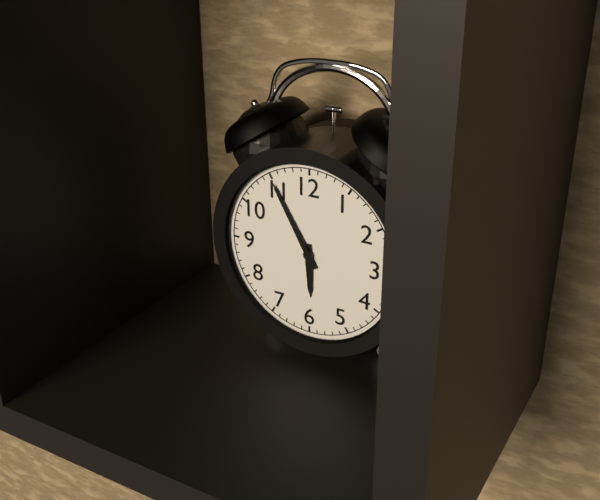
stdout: h=5 m=55
